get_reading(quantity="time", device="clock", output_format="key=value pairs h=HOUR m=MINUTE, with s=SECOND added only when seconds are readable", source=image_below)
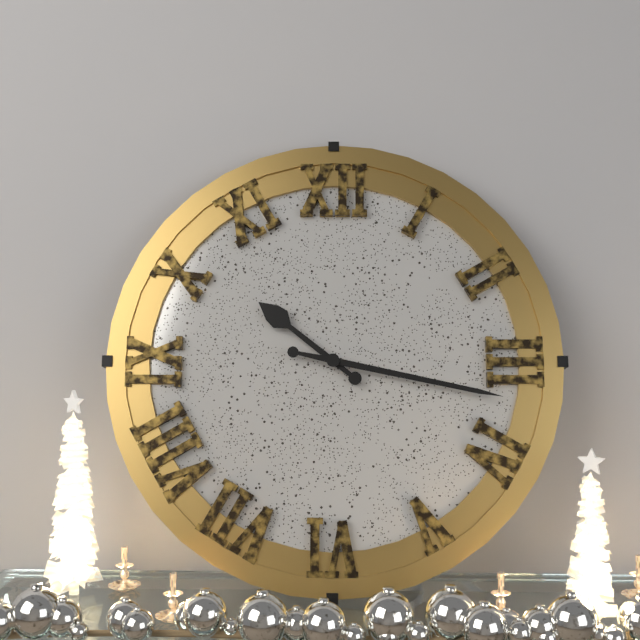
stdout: h=10 m=17
